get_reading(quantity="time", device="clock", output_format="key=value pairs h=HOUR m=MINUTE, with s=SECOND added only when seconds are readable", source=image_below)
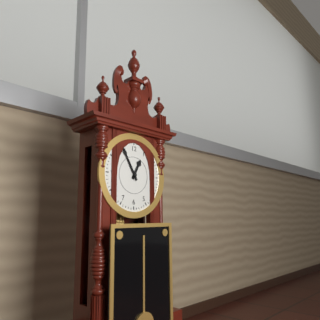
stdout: h=12 m=55
